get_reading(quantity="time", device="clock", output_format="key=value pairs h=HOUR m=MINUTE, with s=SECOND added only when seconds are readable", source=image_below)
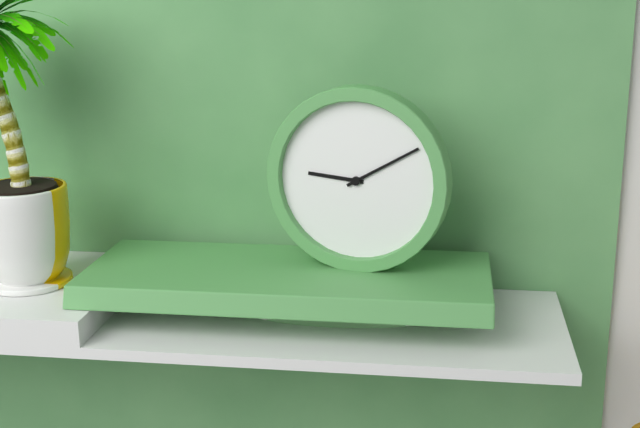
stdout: h=9 m=10
